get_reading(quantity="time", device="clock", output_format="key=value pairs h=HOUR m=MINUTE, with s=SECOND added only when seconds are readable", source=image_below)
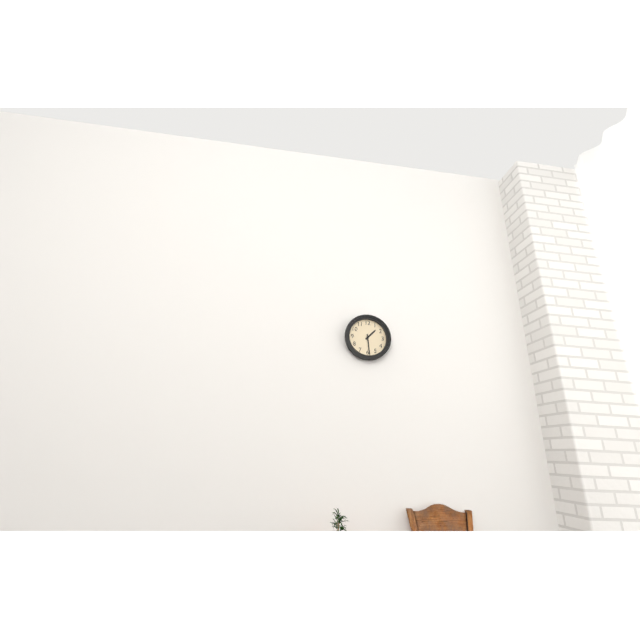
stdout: h=1 m=29
